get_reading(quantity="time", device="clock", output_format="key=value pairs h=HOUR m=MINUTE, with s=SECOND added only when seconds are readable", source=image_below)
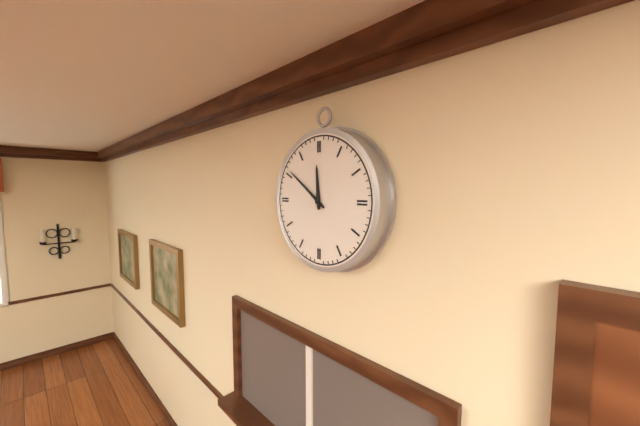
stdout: h=11 m=51
